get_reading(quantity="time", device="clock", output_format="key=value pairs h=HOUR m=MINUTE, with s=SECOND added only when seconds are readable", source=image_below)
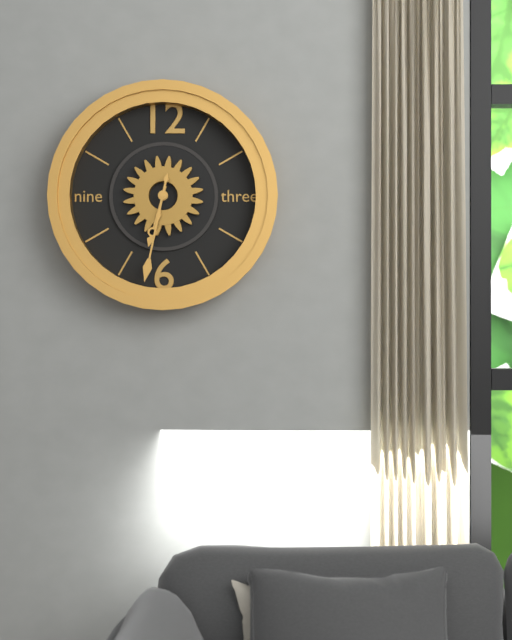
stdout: h=6 m=32
